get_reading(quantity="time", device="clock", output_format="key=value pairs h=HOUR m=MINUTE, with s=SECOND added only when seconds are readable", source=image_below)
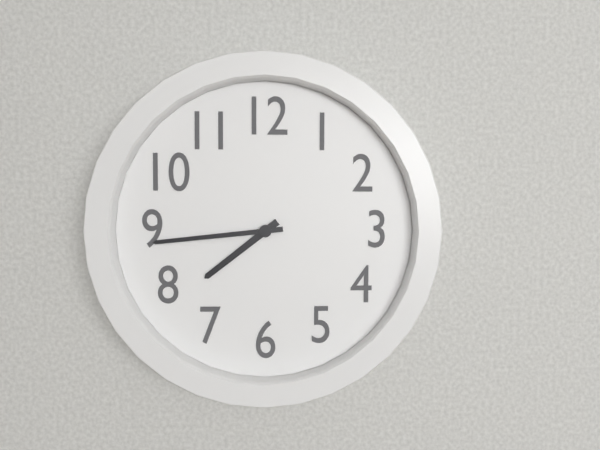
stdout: h=7 m=44
